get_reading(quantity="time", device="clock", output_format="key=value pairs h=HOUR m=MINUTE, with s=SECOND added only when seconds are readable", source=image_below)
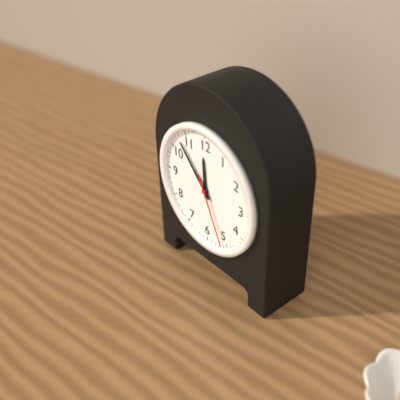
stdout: h=11 m=53 s=26
